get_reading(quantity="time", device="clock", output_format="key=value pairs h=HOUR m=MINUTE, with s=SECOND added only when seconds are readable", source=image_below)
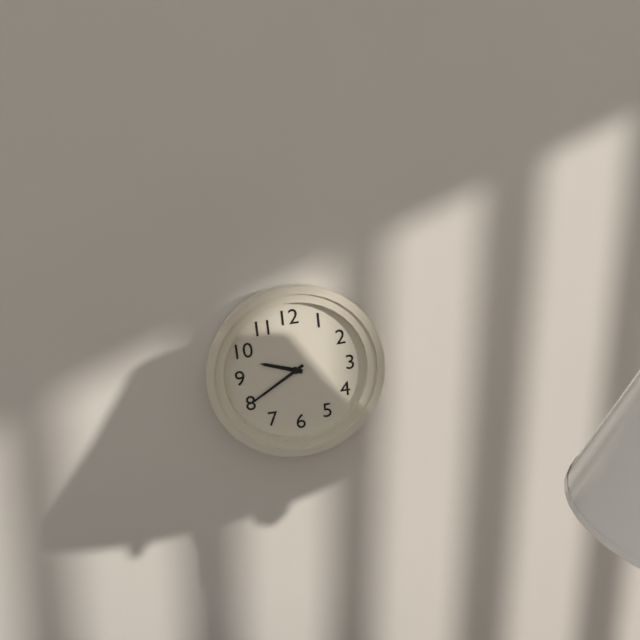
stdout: h=9 m=40
